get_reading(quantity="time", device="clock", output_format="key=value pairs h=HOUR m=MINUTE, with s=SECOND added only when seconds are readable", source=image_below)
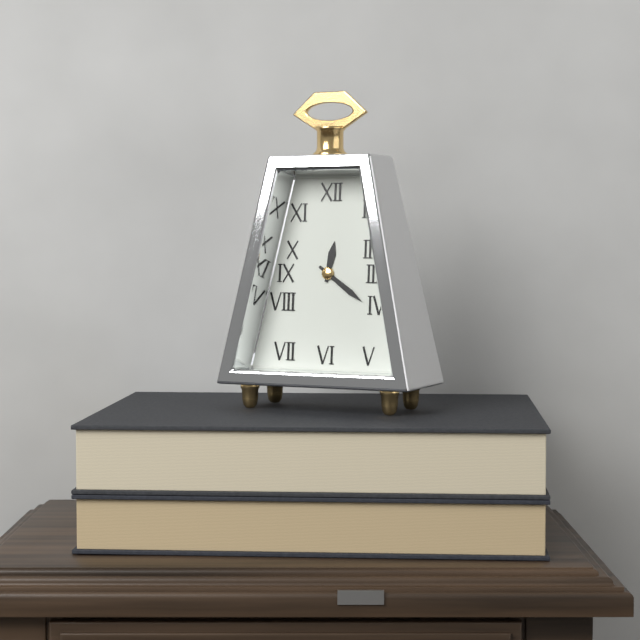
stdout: h=12 m=21
